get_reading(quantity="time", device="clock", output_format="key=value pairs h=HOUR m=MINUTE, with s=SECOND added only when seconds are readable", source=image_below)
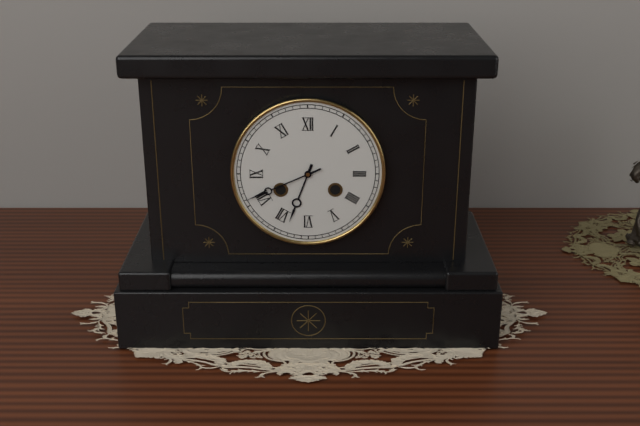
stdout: h=6 m=41
